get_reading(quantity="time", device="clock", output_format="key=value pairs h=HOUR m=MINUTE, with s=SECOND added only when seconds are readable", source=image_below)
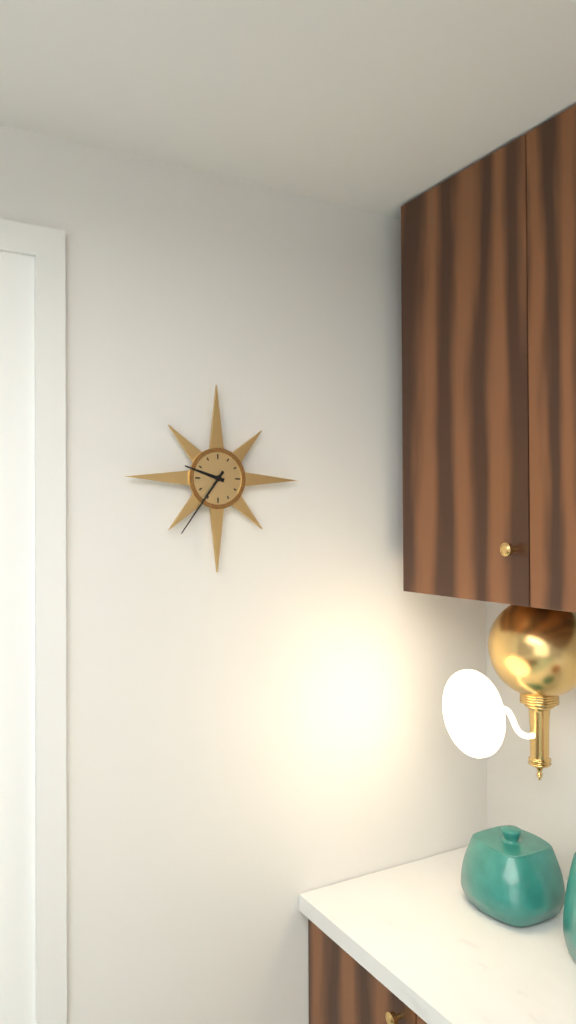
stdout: h=9 m=36
